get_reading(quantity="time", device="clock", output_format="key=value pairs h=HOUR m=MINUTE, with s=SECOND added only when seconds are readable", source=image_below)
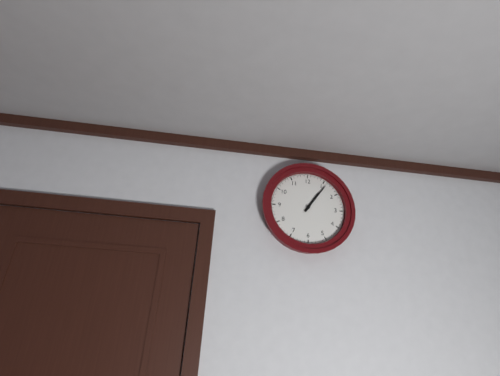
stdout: h=1 m=6
